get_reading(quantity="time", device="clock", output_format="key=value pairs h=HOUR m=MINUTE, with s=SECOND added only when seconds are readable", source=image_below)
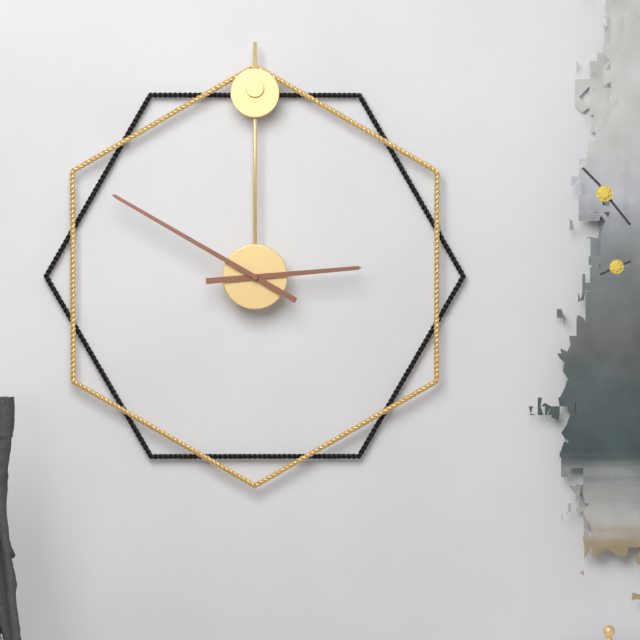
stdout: h=2 m=50
